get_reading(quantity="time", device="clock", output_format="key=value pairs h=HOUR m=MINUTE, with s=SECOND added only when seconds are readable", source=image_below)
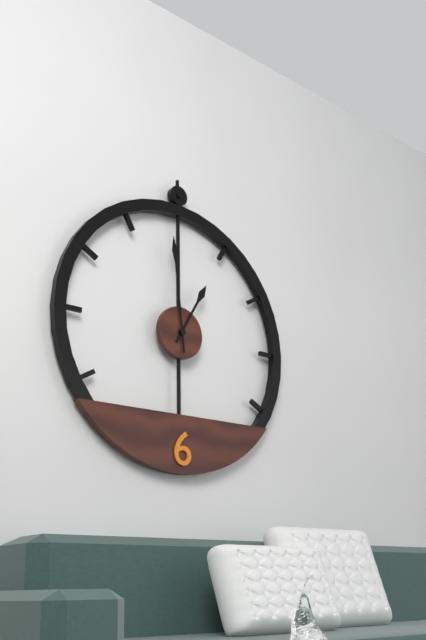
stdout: h=12 m=59
